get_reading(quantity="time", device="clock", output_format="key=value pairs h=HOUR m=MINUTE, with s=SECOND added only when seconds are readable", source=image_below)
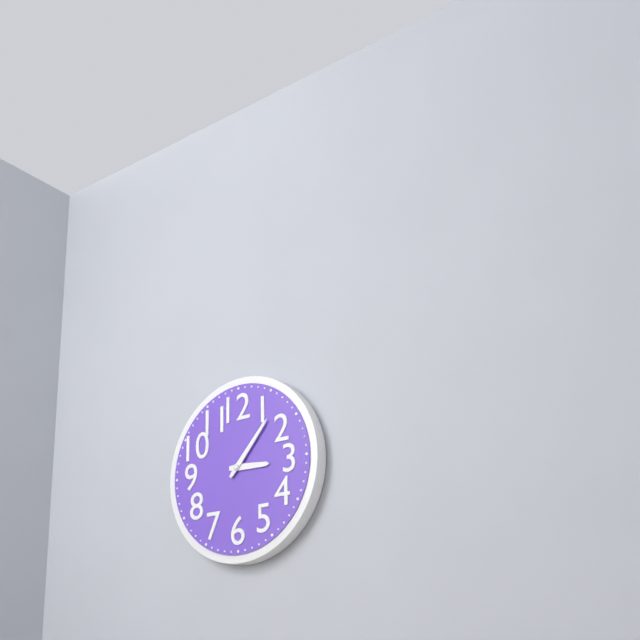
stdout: h=3 m=7
